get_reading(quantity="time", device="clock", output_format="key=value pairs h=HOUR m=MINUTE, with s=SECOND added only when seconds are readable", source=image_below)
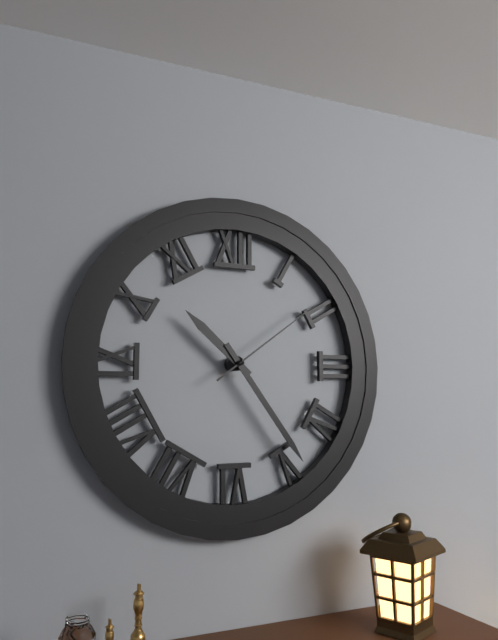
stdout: h=10 m=24 s=9
